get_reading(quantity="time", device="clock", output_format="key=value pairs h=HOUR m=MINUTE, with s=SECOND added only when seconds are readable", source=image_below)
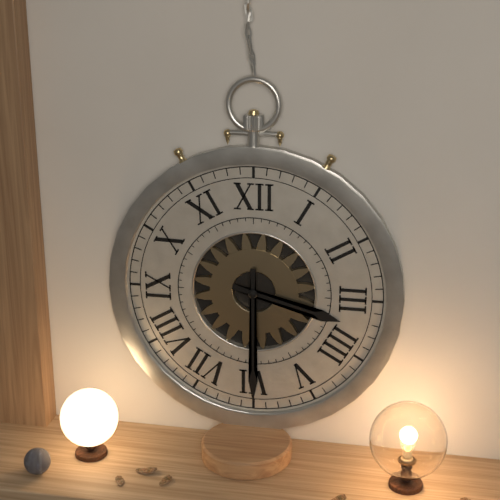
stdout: h=3 m=30
